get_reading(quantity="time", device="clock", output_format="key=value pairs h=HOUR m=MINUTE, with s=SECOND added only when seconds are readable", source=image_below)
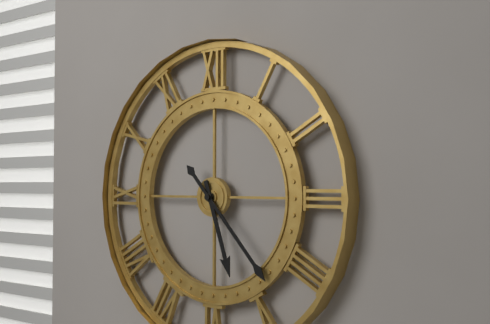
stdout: h=5 m=23
